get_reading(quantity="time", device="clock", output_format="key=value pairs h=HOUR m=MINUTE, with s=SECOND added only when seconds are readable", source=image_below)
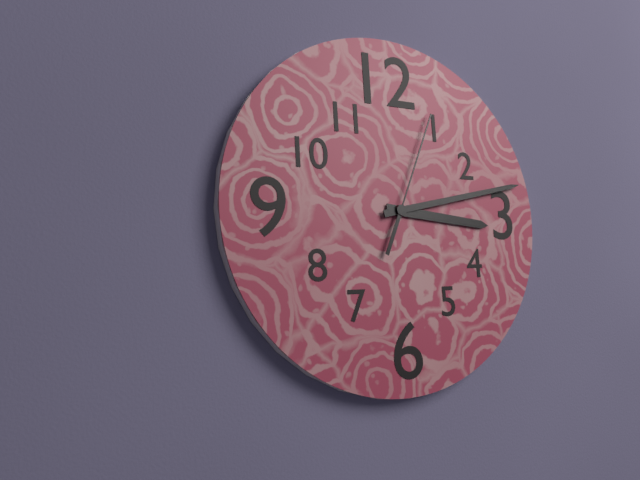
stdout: h=3 m=13 s=4
